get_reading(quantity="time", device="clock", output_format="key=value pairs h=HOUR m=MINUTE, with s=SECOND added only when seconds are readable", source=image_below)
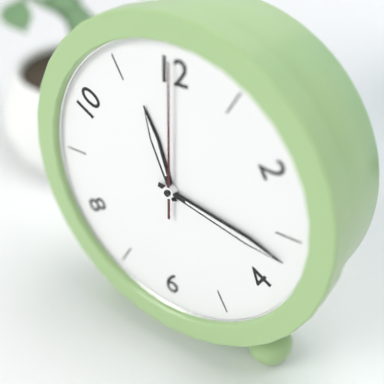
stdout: h=11 m=17 s=0
